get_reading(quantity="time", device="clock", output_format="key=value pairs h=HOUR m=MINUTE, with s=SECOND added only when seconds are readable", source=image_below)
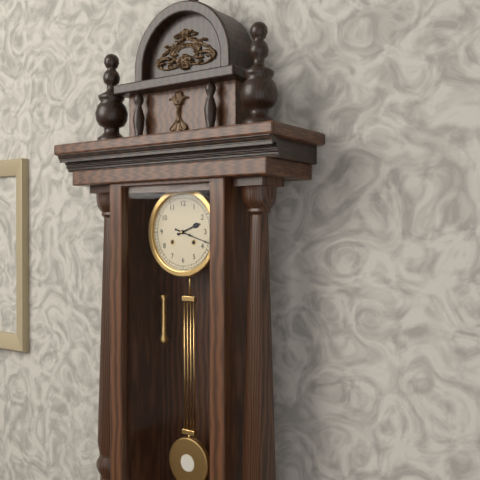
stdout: h=2 m=18
